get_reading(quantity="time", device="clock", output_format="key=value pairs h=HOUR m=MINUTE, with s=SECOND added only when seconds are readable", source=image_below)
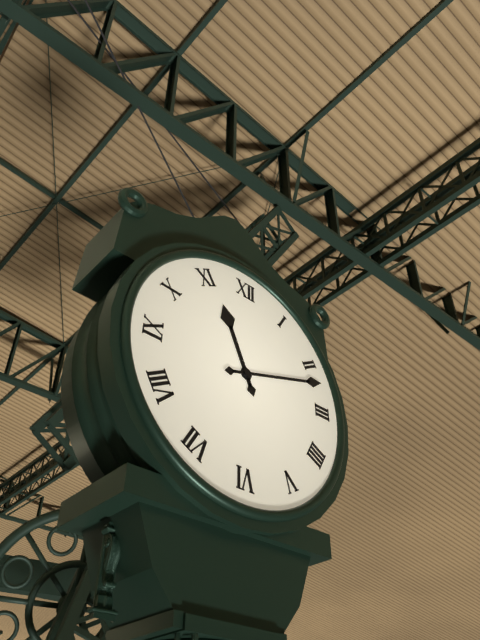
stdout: h=11 m=12
